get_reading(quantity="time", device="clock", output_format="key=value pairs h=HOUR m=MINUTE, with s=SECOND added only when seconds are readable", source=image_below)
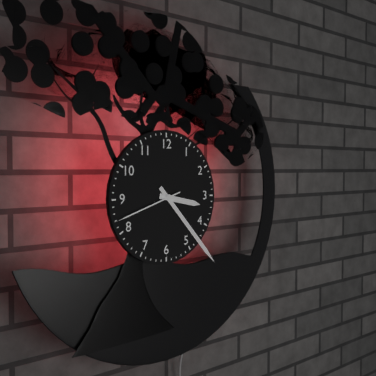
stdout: h=3 m=23 s=42
